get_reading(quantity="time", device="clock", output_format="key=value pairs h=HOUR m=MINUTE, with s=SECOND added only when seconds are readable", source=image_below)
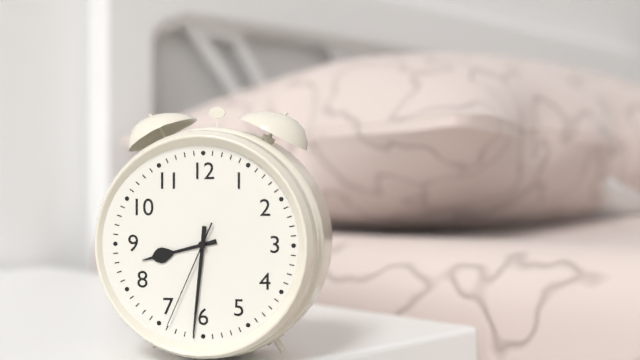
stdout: h=8 m=31 s=34
